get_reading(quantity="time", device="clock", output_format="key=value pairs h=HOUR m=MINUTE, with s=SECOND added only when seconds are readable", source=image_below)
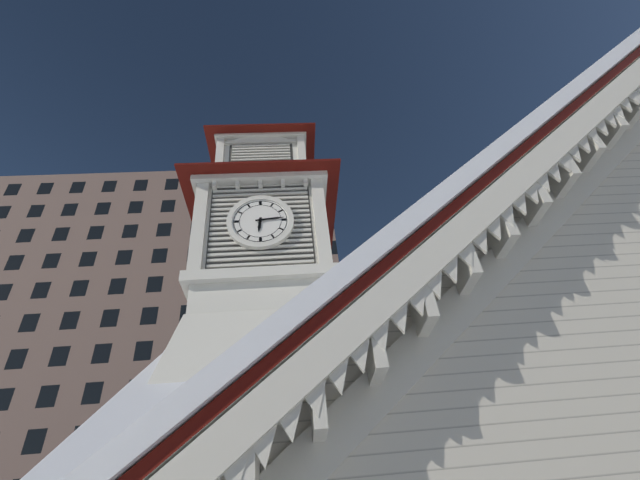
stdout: h=6 m=14
